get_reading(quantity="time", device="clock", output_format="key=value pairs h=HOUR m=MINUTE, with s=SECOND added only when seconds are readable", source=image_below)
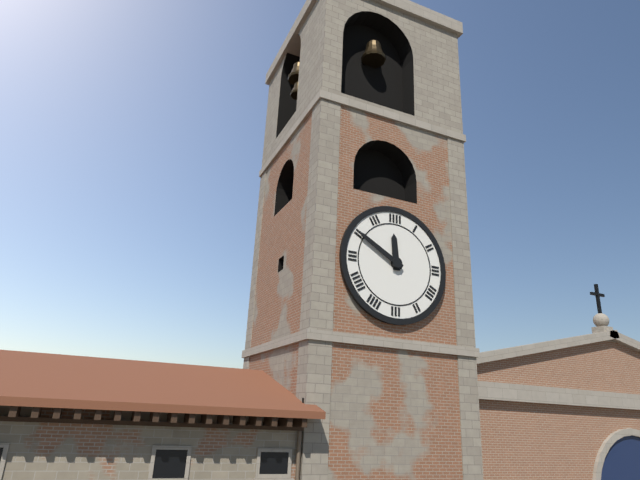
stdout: h=11 m=50
